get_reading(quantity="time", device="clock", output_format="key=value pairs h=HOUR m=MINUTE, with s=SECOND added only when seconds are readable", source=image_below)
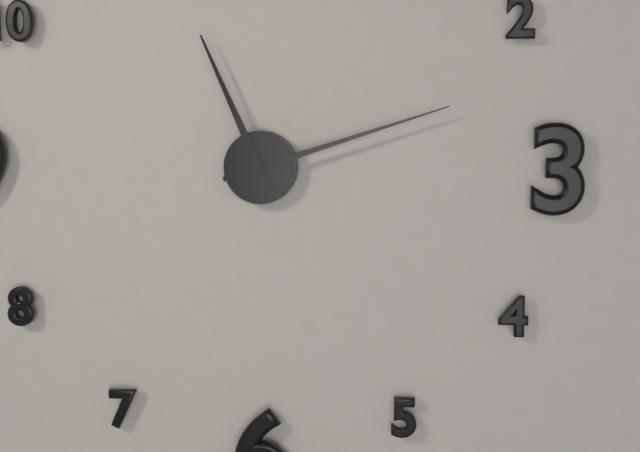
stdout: h=11 m=12
